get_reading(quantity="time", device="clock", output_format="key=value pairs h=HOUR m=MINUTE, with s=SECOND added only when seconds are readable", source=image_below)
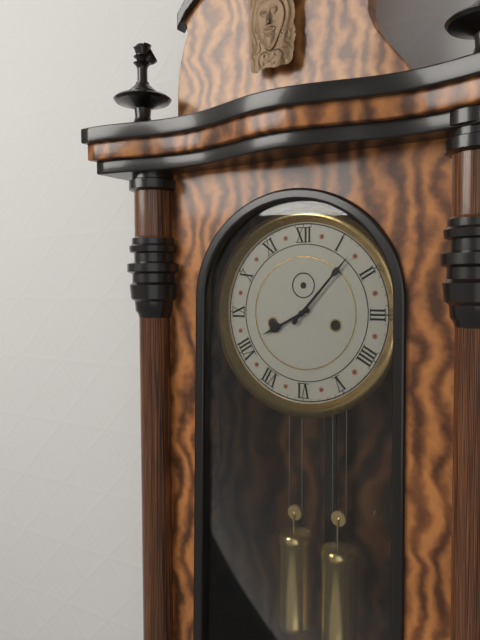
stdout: h=8 m=7
